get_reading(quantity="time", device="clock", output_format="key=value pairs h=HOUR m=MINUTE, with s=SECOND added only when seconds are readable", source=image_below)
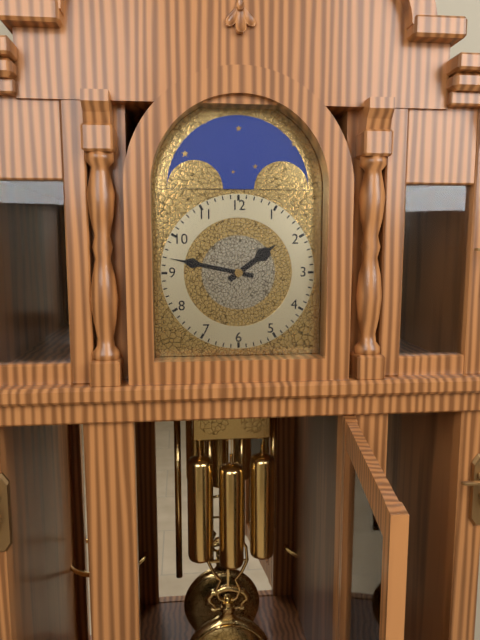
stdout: h=1 m=47
